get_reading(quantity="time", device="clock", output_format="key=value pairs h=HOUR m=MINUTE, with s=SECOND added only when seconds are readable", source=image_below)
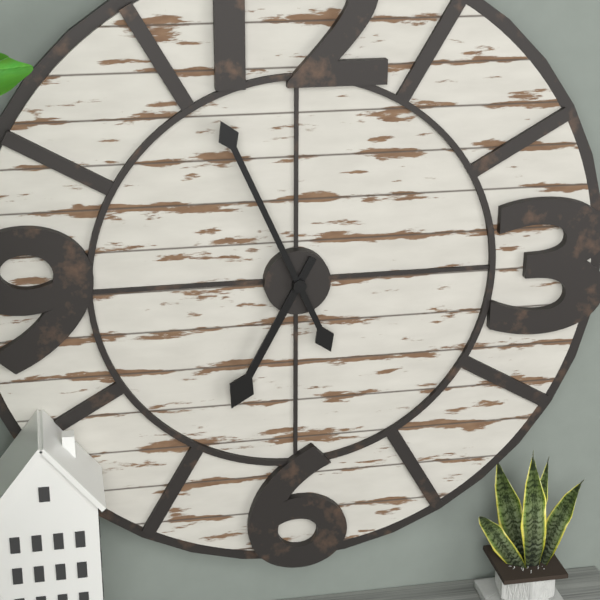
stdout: h=6 m=56
